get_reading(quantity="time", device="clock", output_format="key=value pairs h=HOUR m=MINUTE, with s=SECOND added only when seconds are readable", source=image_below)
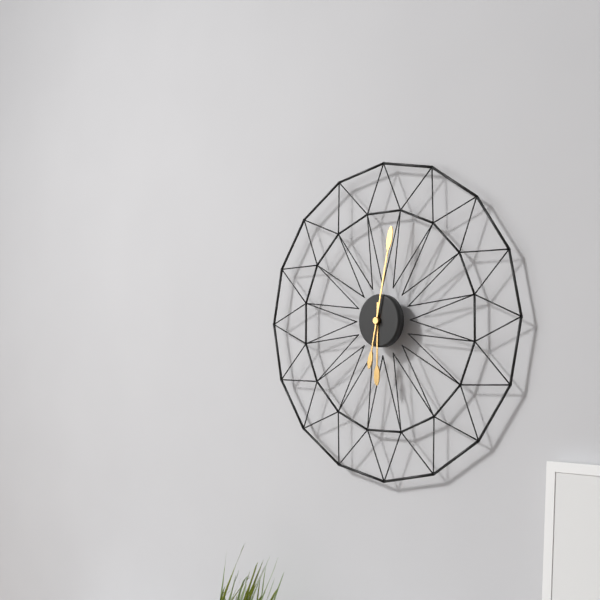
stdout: h=6 m=2
